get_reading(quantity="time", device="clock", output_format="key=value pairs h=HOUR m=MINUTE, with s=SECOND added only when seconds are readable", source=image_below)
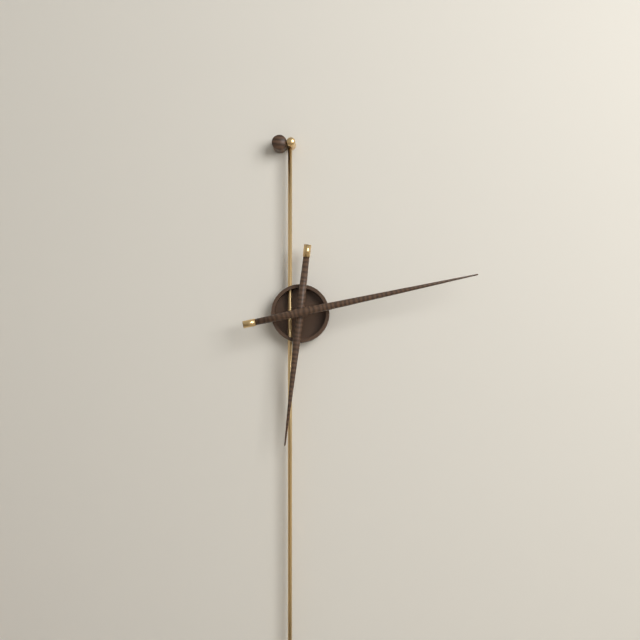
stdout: h=6 m=13
